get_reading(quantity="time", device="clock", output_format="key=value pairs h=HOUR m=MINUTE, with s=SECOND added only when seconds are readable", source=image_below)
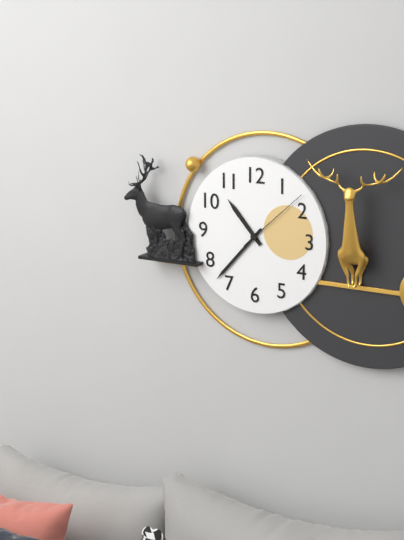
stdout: h=10 m=37 s=8
